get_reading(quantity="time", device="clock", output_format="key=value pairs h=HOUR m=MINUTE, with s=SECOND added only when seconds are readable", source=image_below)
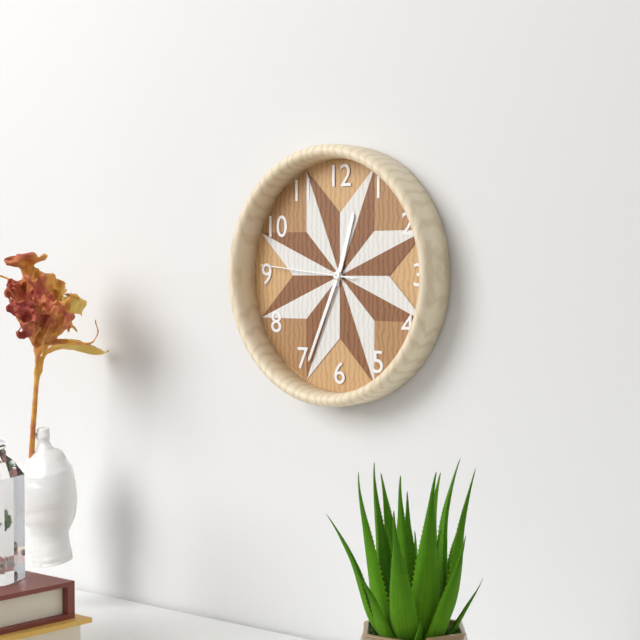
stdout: h=12 m=34 s=46
